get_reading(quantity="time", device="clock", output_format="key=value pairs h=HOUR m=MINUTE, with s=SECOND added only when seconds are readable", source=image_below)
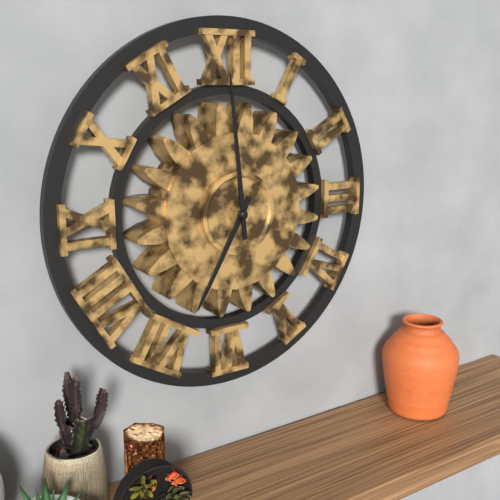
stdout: h=6 m=59
